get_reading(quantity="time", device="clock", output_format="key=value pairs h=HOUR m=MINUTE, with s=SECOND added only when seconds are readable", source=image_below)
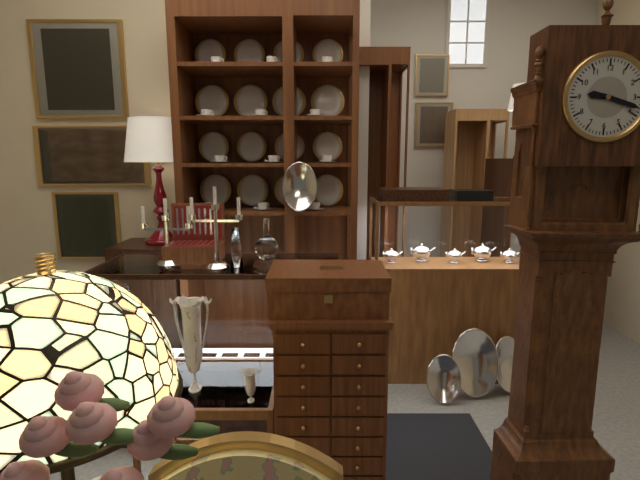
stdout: h=9 m=18
